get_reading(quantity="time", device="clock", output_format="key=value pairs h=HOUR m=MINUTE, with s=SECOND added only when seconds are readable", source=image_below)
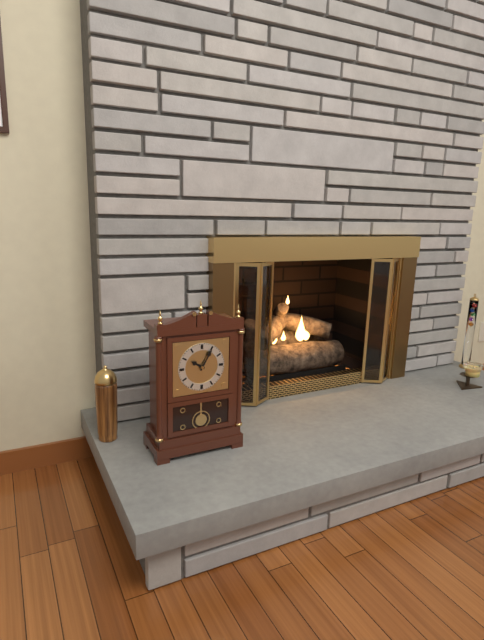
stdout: h=10 m=5
